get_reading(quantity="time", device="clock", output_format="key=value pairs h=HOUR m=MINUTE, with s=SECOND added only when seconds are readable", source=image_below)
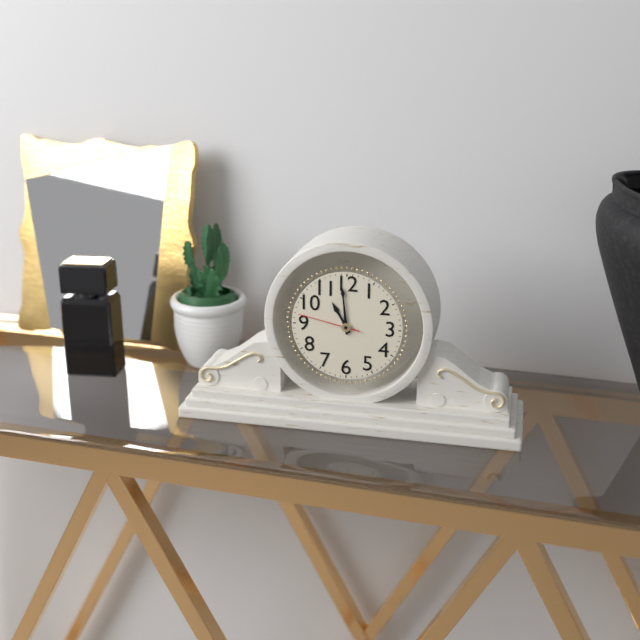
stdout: h=10 m=59 s=47
